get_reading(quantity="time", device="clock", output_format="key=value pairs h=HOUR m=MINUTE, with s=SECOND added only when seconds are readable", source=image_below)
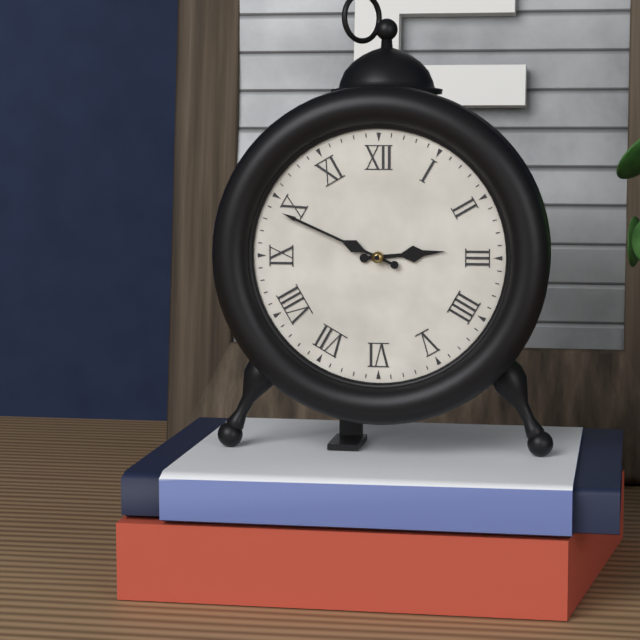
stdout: h=2 m=49
